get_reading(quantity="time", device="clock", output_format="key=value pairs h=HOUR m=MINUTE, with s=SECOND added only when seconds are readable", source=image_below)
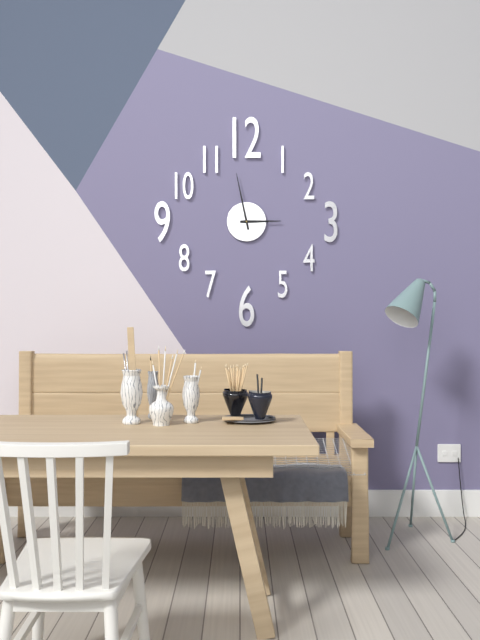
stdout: h=2 m=58
